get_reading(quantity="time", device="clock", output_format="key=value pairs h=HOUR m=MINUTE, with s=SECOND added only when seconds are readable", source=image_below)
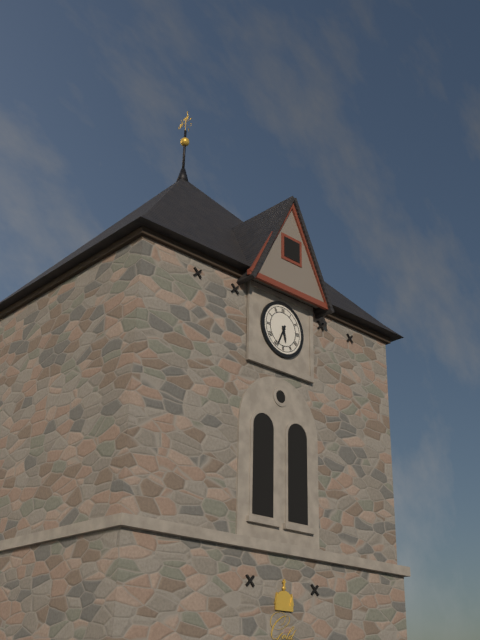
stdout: h=5 m=34
